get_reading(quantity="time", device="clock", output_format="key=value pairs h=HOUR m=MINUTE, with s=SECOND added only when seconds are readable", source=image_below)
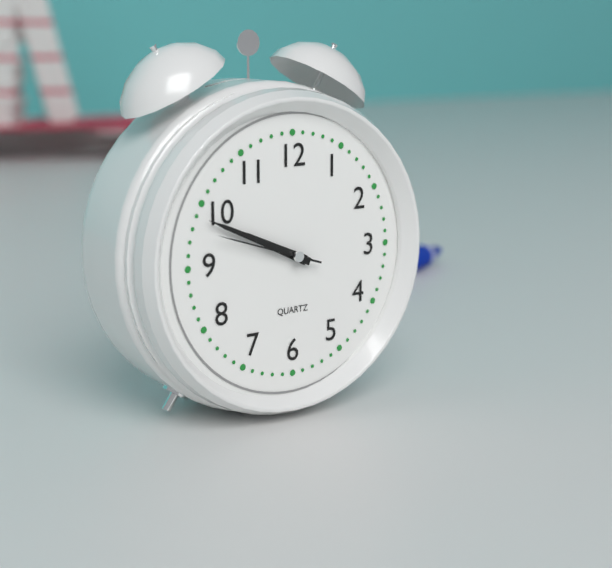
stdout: h=9 m=49 s=48
